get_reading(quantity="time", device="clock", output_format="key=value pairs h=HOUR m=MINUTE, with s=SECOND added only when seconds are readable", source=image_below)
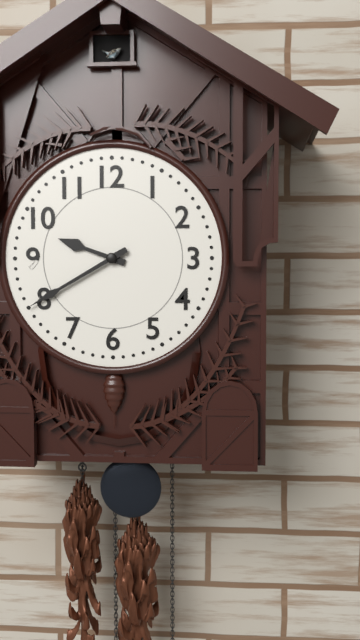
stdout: h=9 m=40
